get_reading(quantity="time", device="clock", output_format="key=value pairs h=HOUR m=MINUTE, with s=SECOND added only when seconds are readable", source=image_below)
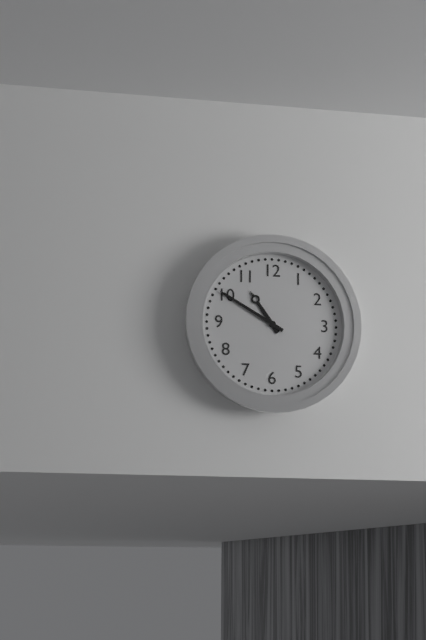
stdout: h=10 m=50
